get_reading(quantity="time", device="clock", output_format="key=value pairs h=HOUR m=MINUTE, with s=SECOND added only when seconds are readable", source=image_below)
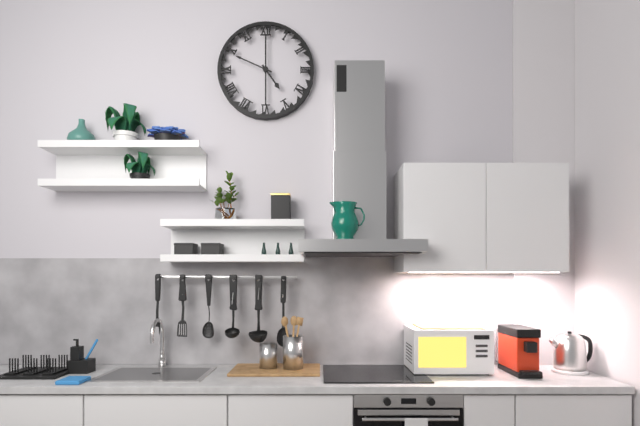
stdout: h=4 m=49
